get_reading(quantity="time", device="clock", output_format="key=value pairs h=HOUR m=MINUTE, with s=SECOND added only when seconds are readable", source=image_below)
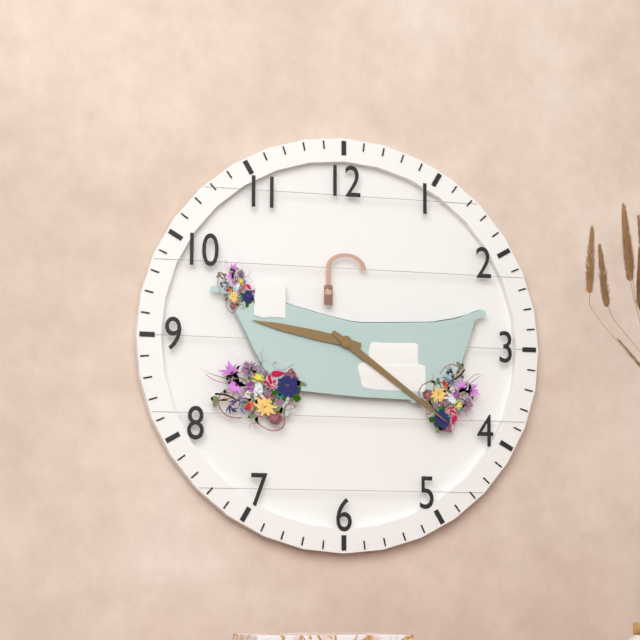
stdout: h=9 m=21
